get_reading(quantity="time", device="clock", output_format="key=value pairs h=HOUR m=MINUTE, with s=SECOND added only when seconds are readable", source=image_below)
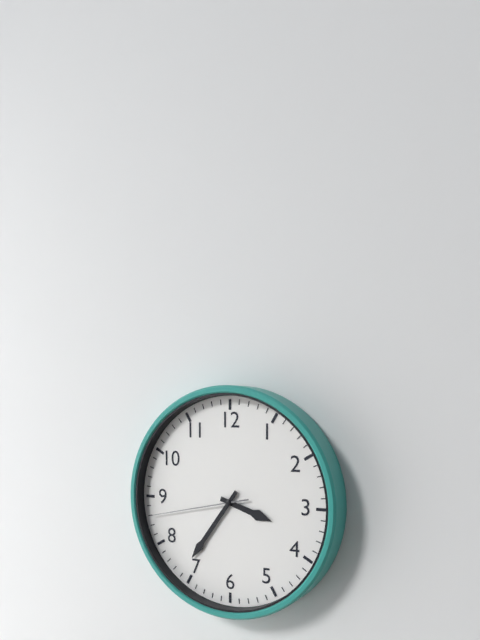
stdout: h=3 m=36 s=43
